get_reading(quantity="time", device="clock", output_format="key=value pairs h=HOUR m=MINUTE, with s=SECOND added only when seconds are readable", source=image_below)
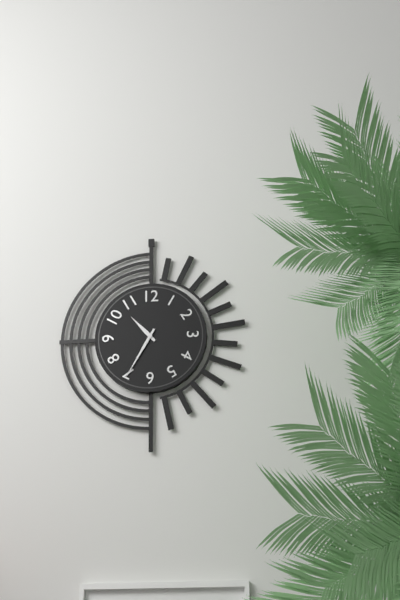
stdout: h=10 m=35
